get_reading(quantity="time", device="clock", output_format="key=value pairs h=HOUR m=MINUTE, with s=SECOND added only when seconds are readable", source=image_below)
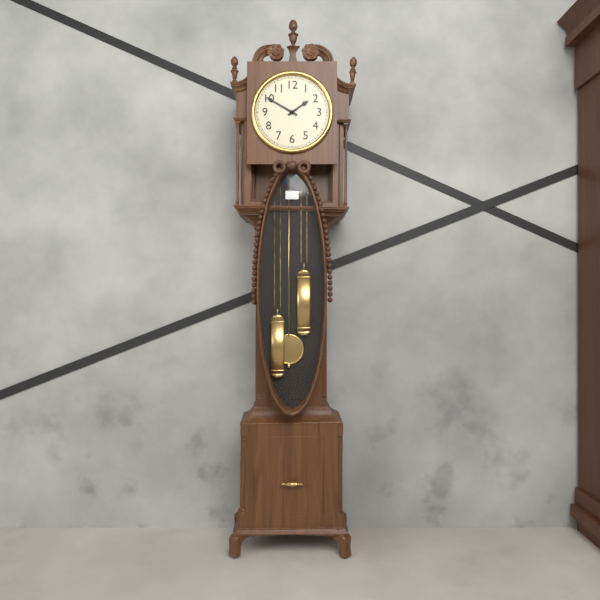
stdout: h=1 m=50
